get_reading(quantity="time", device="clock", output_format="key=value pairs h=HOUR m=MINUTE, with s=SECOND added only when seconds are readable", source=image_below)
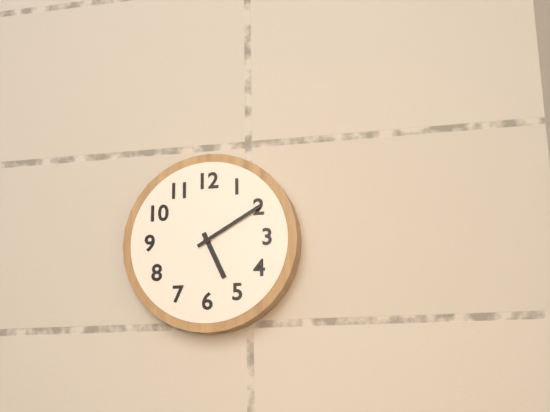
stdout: h=5 m=10
